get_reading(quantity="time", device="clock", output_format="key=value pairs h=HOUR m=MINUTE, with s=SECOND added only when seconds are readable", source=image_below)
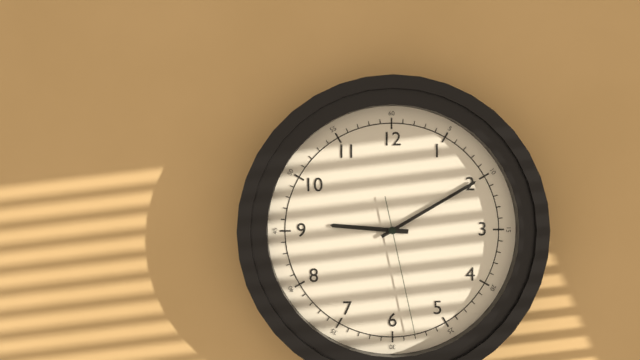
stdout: h=9 m=10 s=28
